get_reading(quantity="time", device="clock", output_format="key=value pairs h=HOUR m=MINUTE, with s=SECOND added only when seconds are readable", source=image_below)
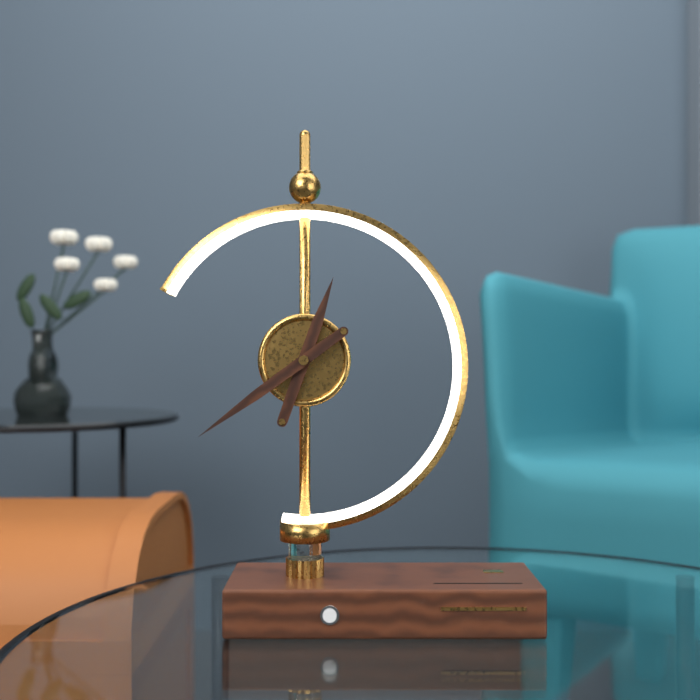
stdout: h=12 m=39
